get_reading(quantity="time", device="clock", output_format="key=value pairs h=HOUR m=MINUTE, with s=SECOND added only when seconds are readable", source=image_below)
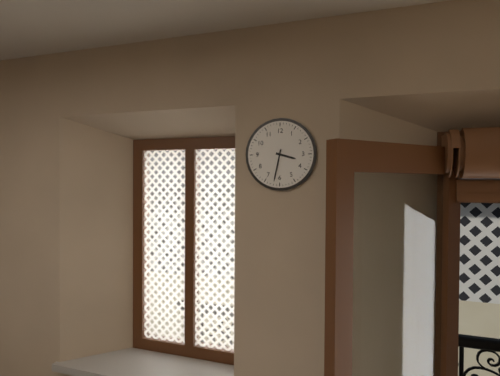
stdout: h=3 m=32
